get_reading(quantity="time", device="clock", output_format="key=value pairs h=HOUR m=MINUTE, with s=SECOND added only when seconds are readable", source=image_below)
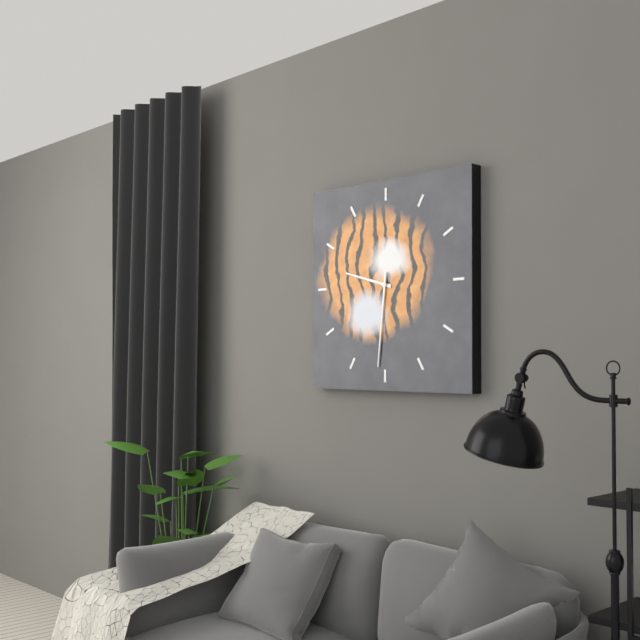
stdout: h=9 m=31
